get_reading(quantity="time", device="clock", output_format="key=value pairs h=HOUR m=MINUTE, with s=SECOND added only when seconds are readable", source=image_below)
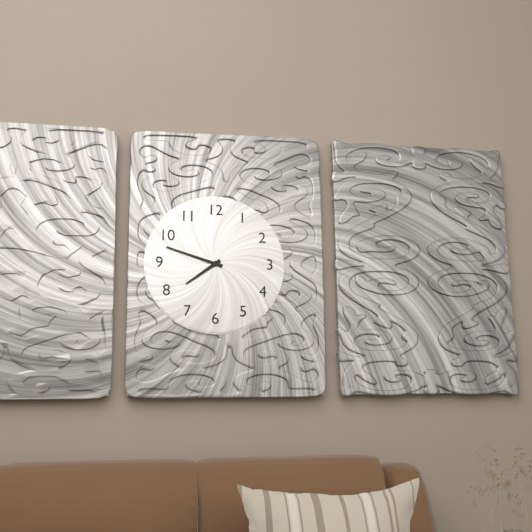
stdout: h=7 m=48
